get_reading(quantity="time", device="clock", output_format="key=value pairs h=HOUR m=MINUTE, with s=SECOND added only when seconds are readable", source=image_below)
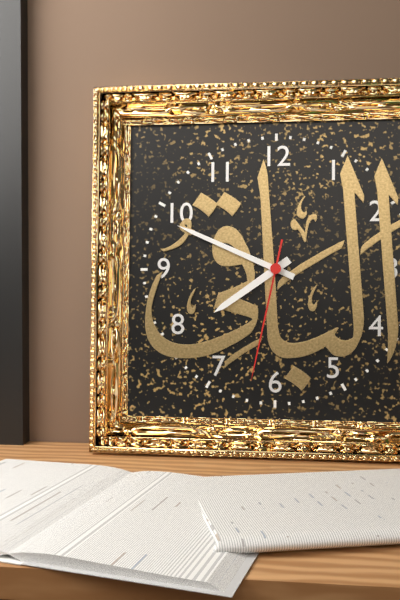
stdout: h=7 m=49 s=32
